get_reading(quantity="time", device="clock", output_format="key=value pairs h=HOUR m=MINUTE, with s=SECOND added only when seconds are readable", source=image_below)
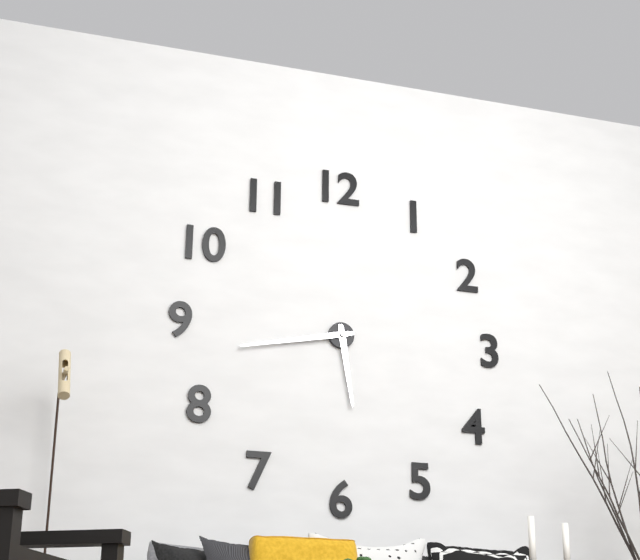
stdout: h=5 m=43
